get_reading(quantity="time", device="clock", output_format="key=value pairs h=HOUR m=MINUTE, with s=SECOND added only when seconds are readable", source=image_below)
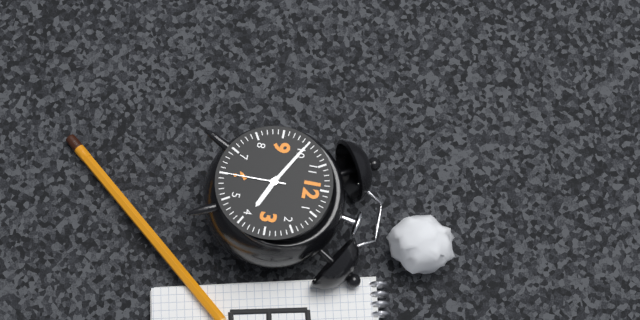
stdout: h=3 m=50 s=30
